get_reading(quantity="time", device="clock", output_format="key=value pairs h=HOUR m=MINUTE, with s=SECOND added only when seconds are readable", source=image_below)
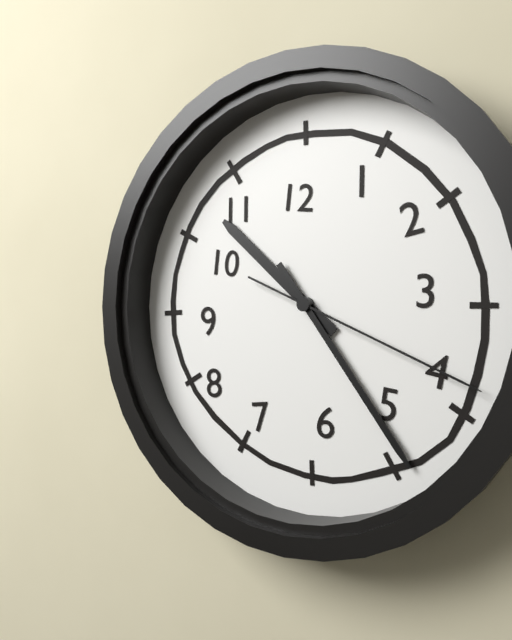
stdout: h=10 m=24 s=19
